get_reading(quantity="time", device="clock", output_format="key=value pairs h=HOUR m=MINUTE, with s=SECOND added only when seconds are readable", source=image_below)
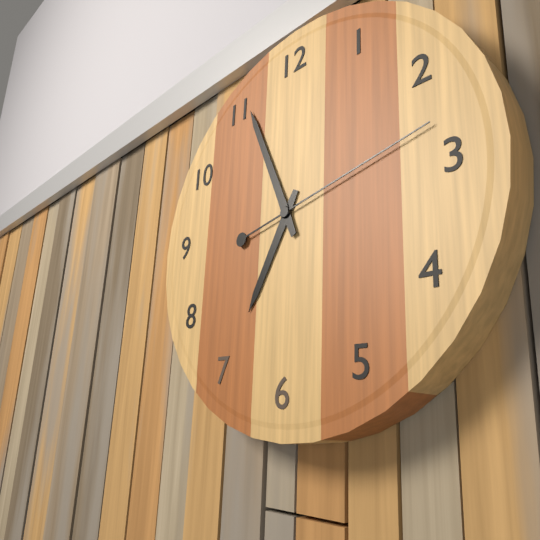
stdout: h=6 m=56 s=13
